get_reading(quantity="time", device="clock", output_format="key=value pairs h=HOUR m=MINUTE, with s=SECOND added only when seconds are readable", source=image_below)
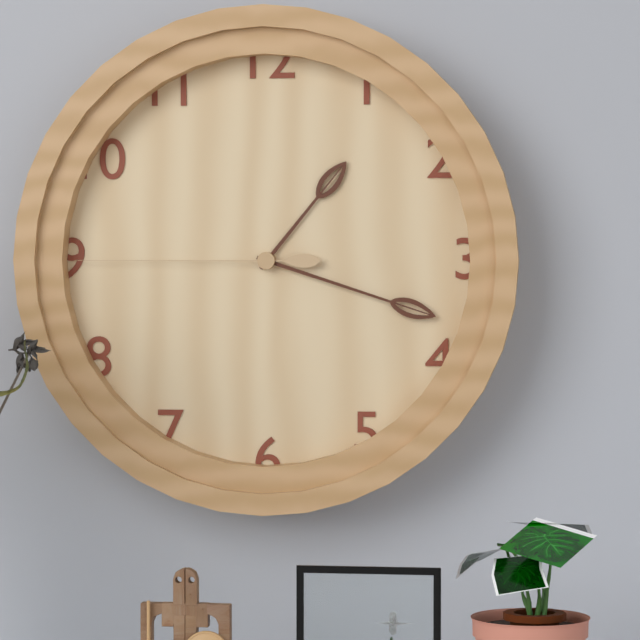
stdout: h=1 m=18 s=45
